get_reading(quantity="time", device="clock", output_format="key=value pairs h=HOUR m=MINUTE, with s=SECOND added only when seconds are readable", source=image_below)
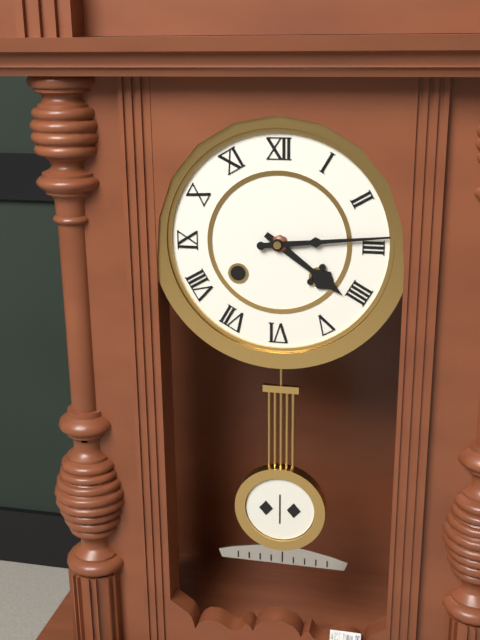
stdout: h=4 m=14
